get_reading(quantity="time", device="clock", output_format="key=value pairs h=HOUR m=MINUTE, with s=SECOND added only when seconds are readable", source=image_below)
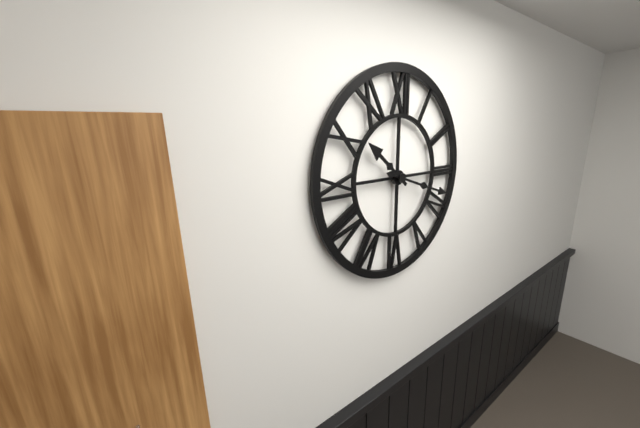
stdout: h=10 m=18
